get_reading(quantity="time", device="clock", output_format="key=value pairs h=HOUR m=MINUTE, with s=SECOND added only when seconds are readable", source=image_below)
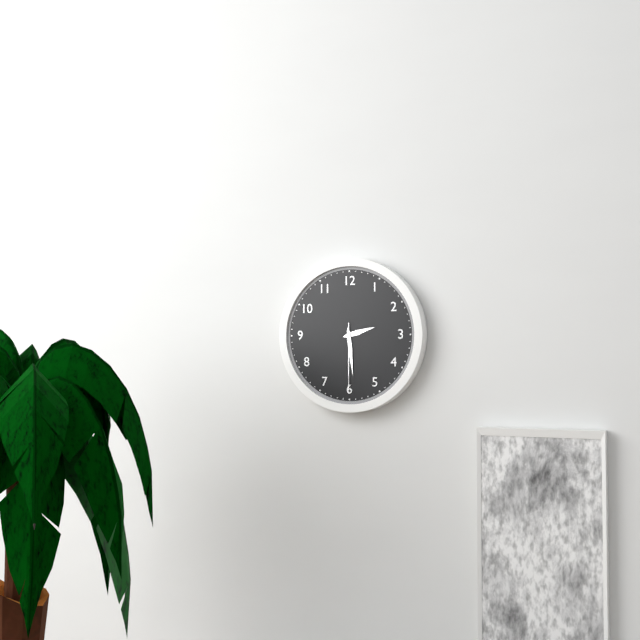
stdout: h=2 m=29 s=30
